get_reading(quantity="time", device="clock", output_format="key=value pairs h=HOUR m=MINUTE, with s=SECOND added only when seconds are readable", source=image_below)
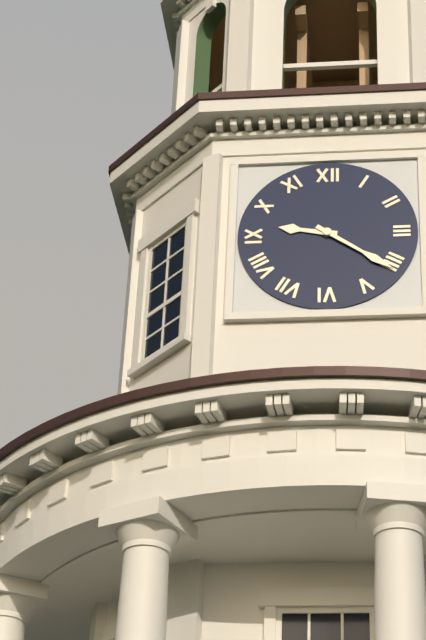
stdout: h=9 m=21
